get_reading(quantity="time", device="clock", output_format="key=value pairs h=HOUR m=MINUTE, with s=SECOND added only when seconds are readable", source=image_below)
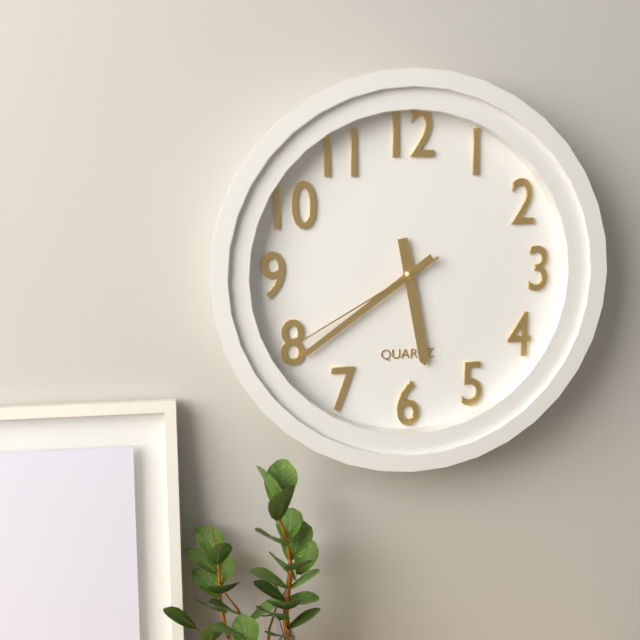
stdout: h=5 m=39 s=40
